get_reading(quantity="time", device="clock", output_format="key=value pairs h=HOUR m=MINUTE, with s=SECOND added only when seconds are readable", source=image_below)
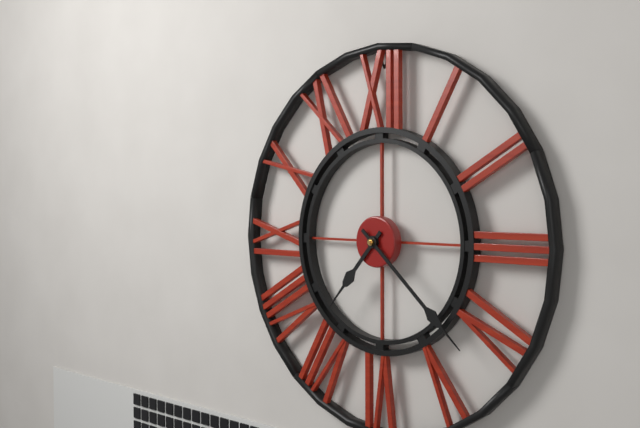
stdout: h=7 m=22
